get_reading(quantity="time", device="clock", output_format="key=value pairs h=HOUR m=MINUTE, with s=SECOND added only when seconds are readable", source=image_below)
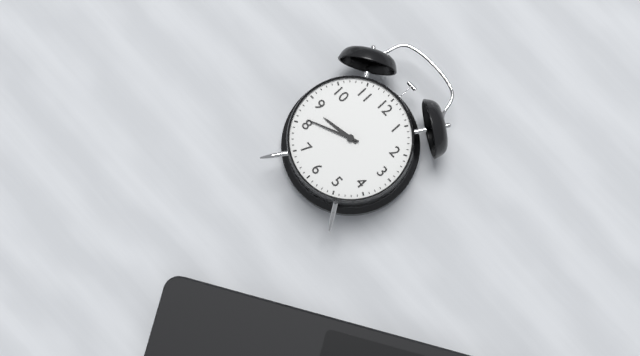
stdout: h=8 m=41
